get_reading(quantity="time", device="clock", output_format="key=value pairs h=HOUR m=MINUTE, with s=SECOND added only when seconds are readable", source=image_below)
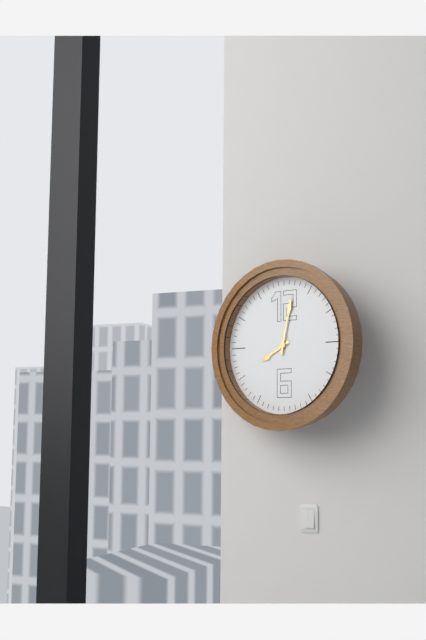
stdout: h=8 m=2
